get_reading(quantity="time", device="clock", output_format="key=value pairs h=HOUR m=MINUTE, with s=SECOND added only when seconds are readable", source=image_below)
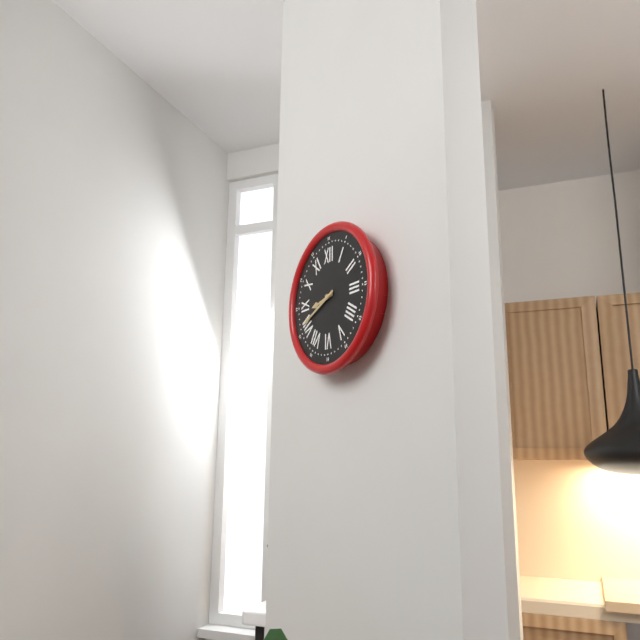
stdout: h=8 m=41
